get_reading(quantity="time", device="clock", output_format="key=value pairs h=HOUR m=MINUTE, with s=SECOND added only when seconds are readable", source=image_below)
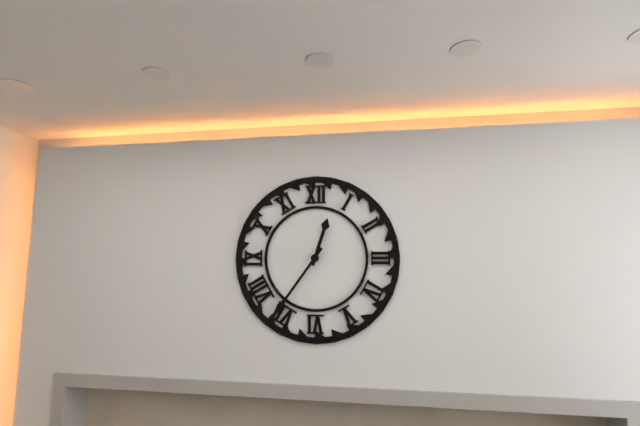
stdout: h=12 m=36
